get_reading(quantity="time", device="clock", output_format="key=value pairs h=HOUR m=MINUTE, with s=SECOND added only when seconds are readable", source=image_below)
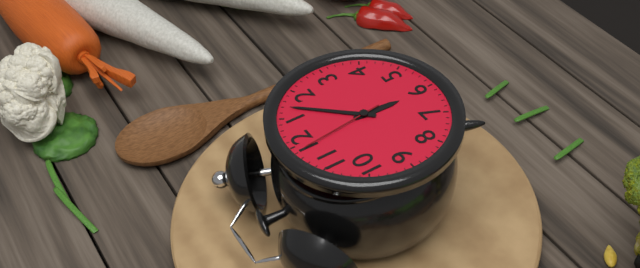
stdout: h=6 m=7 s=59
